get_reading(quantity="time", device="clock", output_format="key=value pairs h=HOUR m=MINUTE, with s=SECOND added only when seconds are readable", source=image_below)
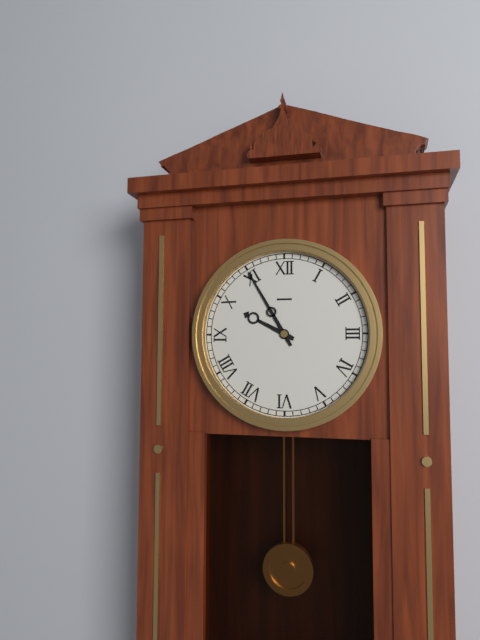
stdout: h=9 m=55
